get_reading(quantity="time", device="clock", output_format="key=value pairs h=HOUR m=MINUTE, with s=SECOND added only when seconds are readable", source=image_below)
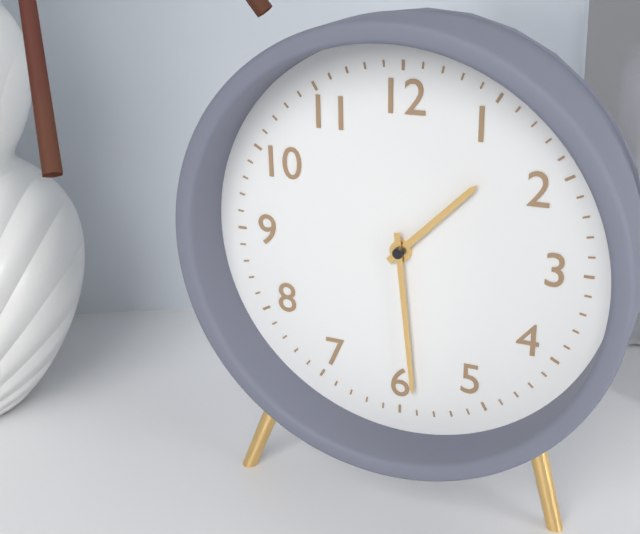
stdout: h=1 m=29
